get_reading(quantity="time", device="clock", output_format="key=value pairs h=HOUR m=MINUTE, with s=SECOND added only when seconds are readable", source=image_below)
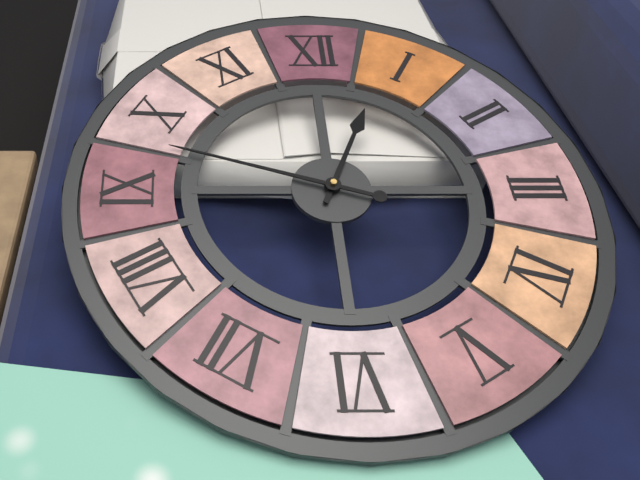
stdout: h=12 m=48
